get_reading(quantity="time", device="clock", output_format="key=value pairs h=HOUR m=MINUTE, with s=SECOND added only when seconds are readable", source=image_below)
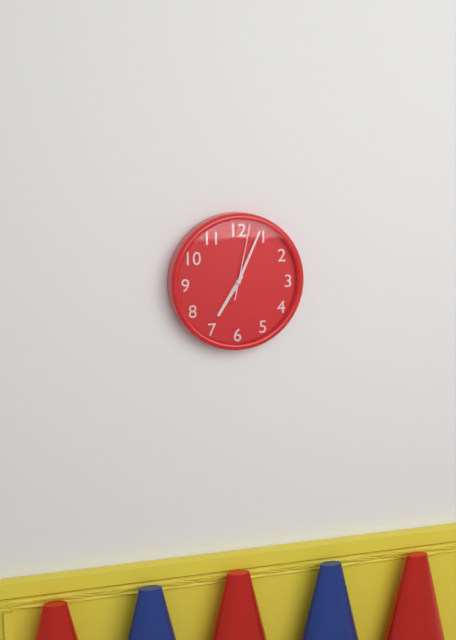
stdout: h=7 m=4 s=2
